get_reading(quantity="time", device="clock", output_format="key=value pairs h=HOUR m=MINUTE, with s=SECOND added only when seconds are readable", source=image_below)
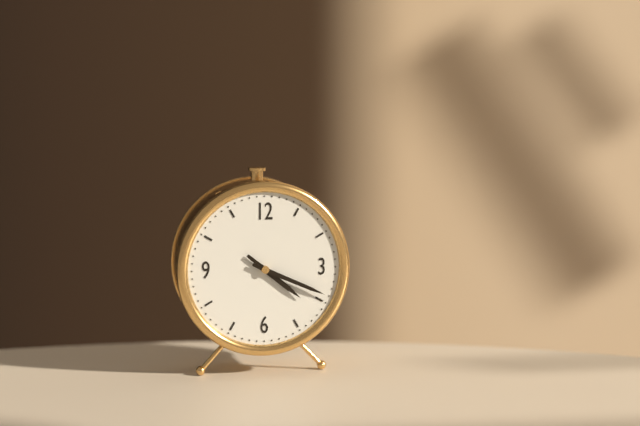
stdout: h=4 m=19
